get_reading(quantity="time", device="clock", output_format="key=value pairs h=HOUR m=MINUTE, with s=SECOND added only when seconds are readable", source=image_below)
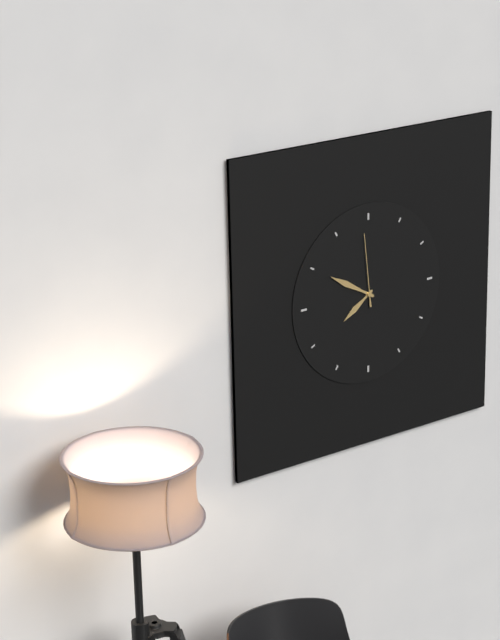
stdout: h=7 m=50 s=59
